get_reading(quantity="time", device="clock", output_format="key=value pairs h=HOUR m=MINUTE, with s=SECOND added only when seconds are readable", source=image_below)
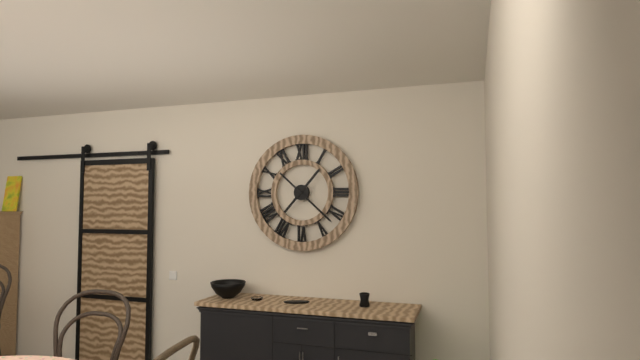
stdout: h=1 m=22
